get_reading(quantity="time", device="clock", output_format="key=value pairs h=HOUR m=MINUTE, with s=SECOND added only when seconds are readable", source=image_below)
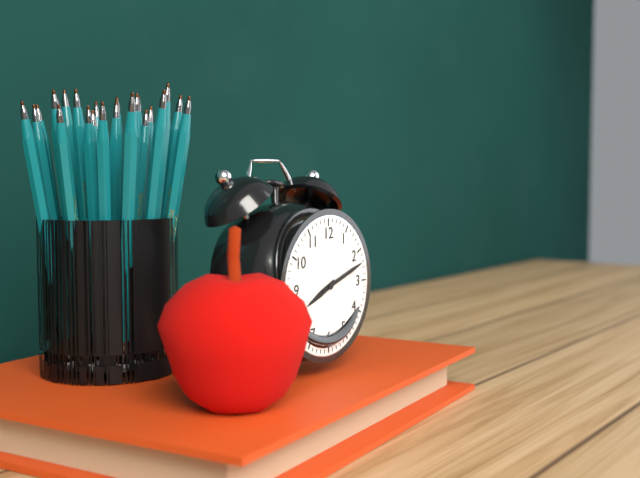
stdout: h=8 m=12
